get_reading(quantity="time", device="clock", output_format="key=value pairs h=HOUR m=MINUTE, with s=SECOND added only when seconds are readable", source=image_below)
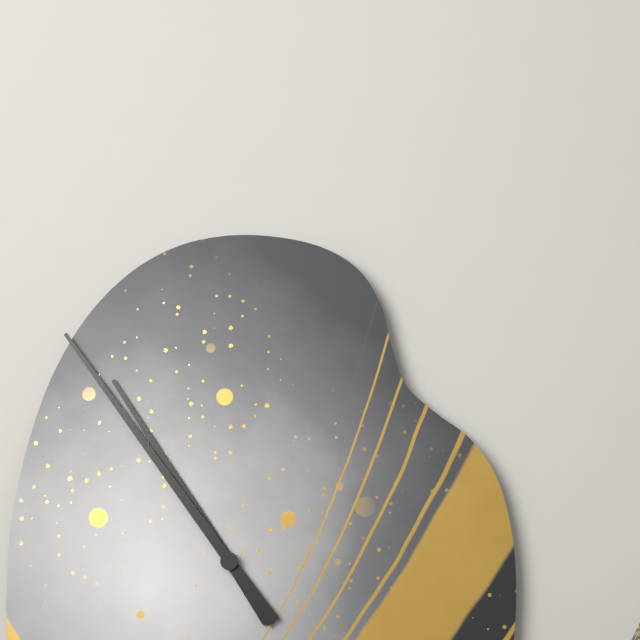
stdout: h=10 m=54
